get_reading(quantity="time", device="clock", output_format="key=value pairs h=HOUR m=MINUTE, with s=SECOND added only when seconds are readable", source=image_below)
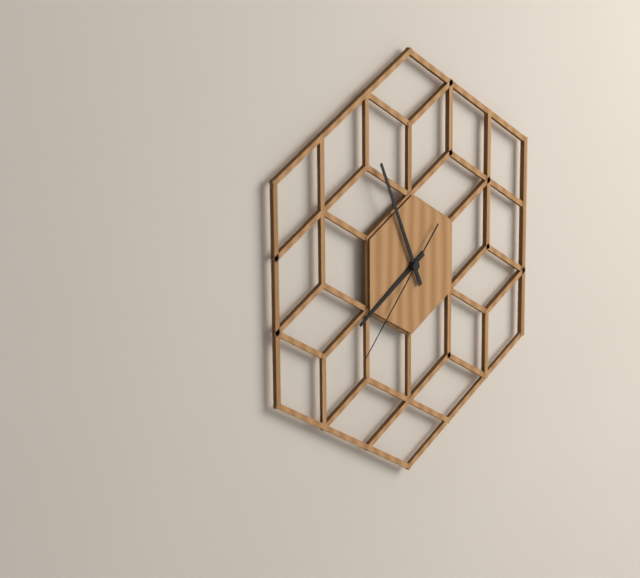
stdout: h=7 m=56 s=37
